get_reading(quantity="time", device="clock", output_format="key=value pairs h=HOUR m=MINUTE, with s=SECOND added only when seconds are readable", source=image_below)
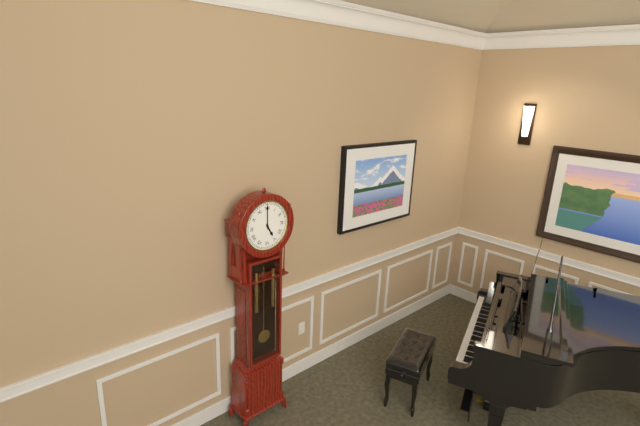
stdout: h=5 m=0
